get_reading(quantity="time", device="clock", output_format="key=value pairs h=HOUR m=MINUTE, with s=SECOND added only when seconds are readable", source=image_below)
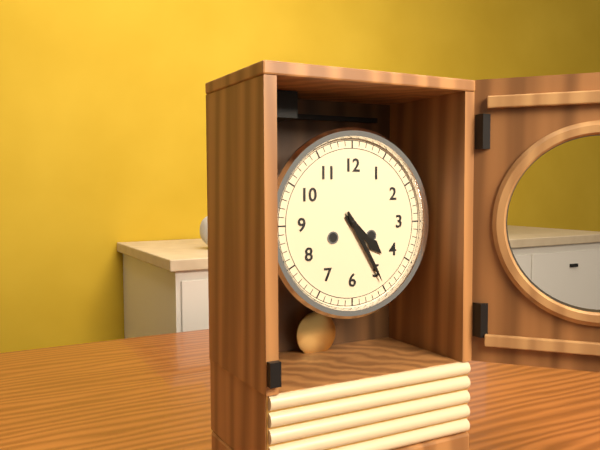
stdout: h=4 m=25
